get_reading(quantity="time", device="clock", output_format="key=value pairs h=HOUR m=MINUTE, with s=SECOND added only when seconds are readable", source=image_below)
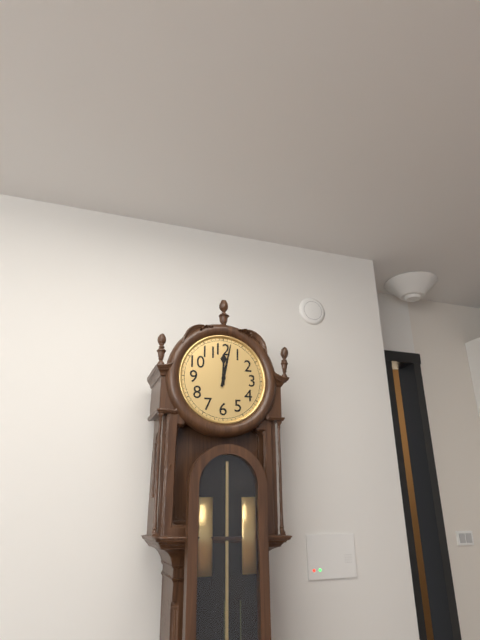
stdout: h=12 m=2
